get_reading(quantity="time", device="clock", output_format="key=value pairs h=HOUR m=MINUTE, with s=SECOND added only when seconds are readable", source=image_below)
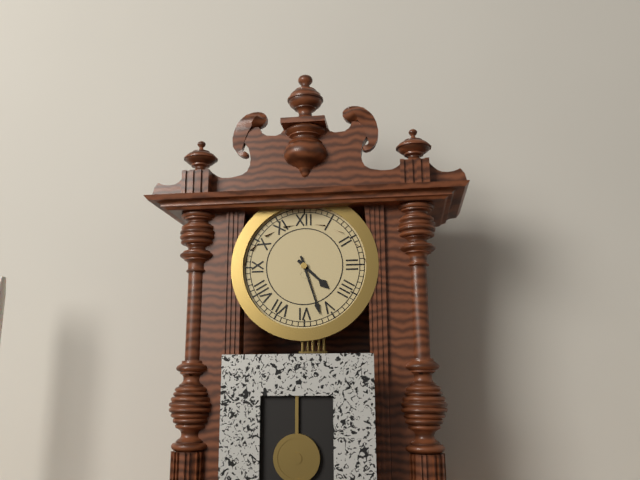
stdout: h=4 m=27
